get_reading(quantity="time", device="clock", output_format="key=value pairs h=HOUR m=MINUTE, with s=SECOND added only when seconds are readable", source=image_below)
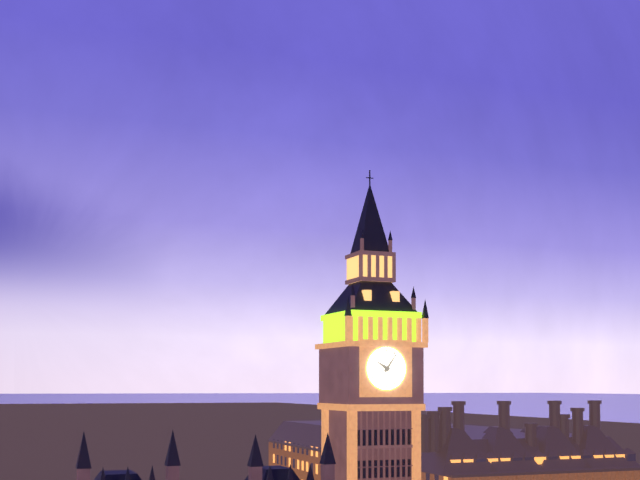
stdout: h=10 m=6
